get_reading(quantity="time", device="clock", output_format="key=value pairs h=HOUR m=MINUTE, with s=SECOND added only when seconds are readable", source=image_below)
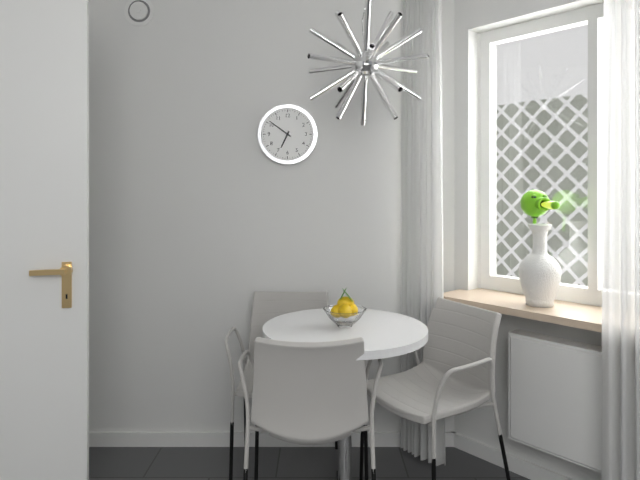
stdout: h=6 m=51
